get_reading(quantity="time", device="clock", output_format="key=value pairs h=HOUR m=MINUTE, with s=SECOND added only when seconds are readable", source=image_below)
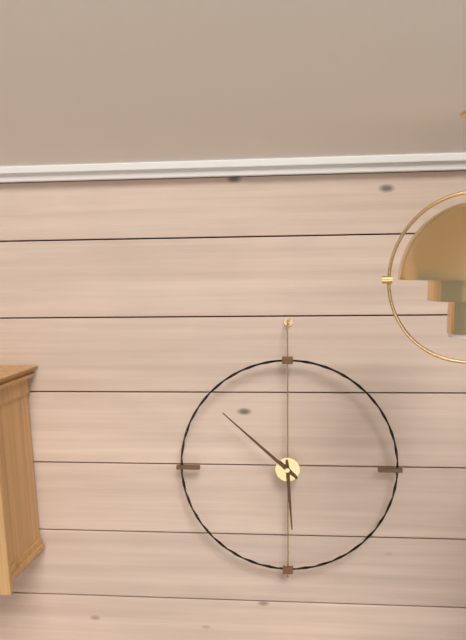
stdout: h=5 m=52
